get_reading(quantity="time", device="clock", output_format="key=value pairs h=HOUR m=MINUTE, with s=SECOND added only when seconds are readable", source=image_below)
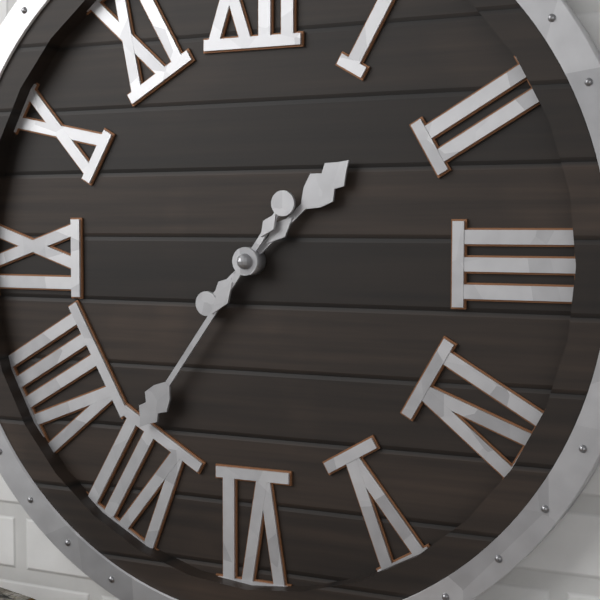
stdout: h=1 m=36
